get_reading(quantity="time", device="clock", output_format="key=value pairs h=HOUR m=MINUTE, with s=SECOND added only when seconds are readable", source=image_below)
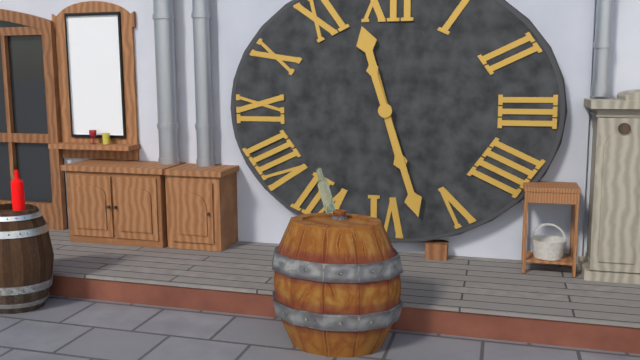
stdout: h=11 m=27
